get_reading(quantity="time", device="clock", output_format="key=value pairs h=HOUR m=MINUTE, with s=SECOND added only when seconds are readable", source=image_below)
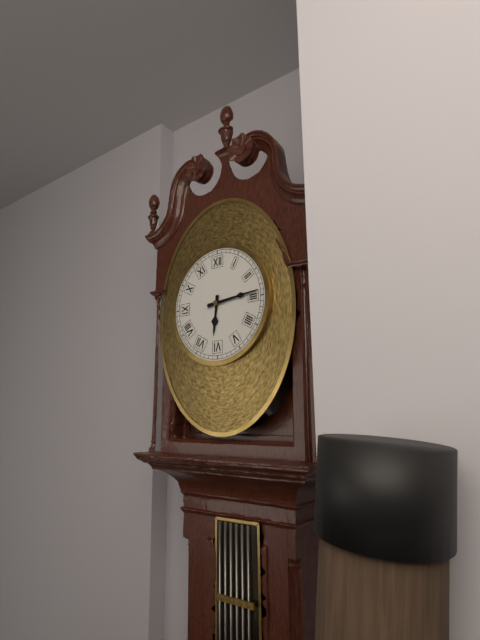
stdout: h=6 m=14
